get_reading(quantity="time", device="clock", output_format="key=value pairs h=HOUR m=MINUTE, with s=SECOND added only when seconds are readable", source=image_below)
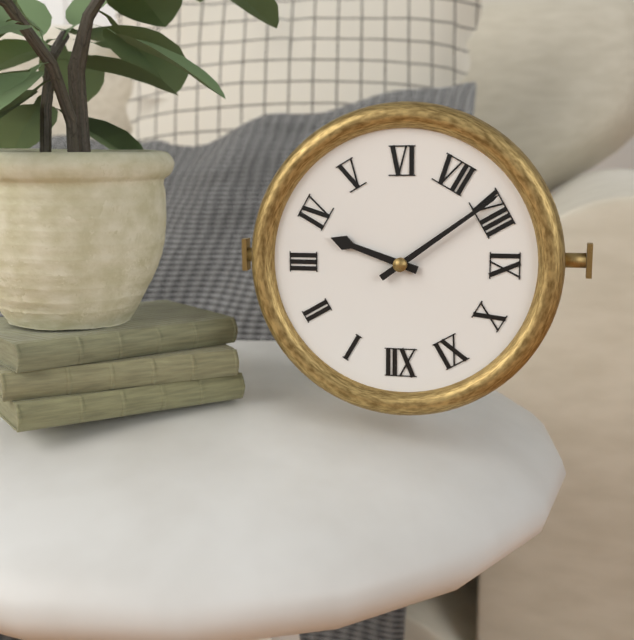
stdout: h=3 m=39
